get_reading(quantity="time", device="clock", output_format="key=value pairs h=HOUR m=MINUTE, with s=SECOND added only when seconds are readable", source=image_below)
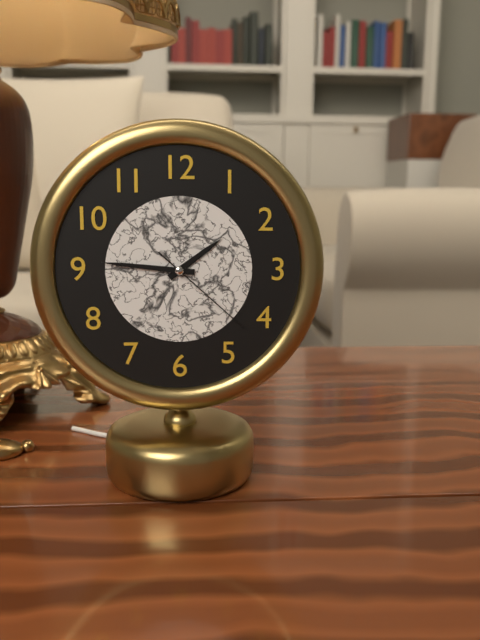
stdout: h=1 m=46 s=22
